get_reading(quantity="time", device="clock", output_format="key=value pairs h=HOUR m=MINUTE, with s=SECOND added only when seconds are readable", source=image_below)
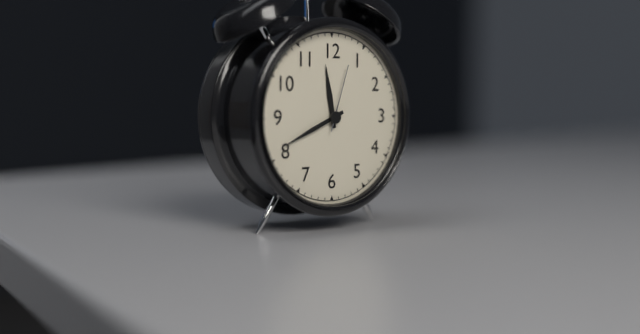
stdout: h=11 m=41 s=3
